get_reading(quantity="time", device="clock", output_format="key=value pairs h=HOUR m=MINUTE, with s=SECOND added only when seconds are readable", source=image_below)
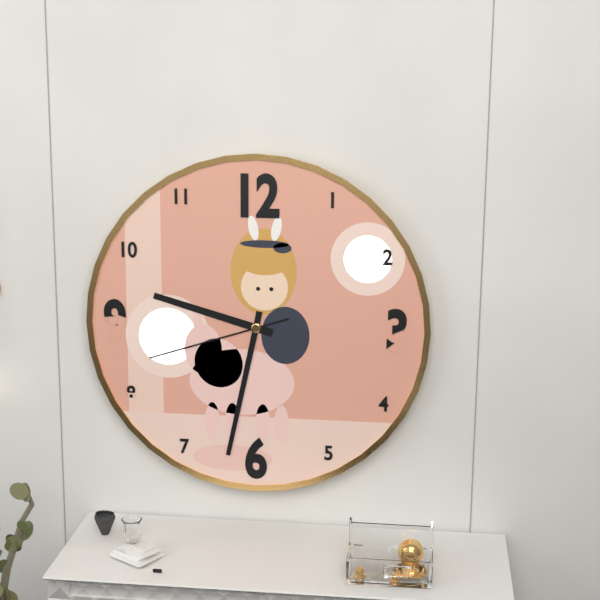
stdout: h=9 m=32 s=42
